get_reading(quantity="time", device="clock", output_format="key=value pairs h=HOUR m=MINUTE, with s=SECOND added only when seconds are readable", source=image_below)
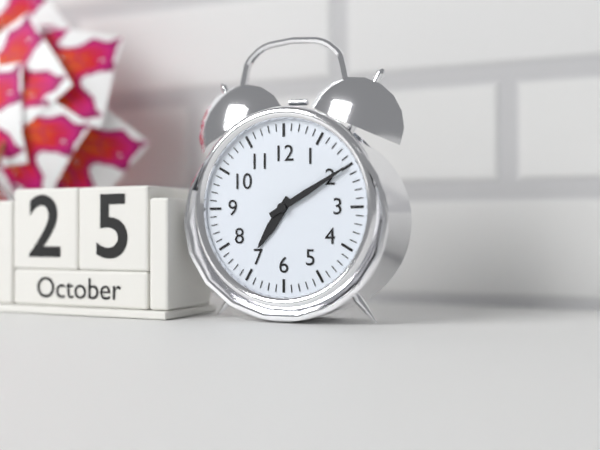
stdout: h=7 m=10
